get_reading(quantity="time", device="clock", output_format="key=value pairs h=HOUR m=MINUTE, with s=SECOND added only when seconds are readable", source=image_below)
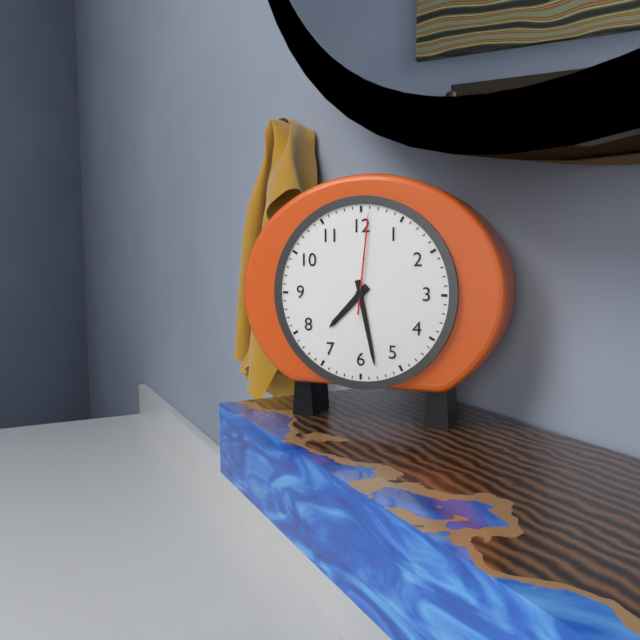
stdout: h=7 m=28 s=1
